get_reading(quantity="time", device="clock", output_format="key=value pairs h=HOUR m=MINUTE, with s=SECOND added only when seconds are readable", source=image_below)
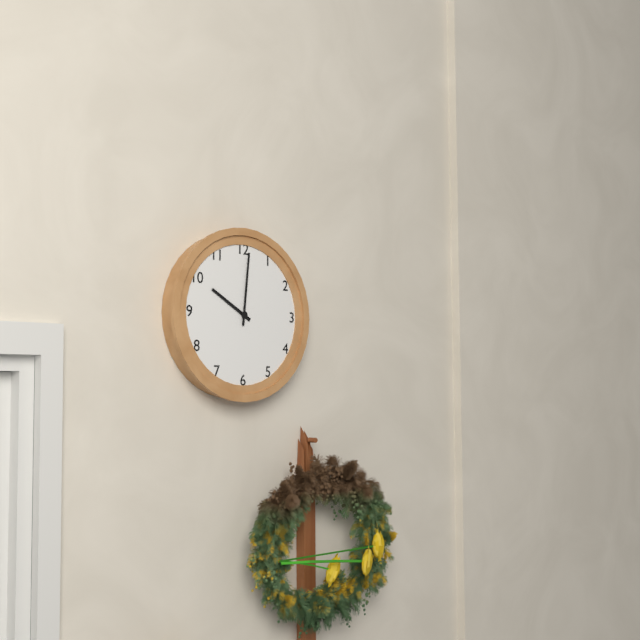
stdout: h=10 m=1
